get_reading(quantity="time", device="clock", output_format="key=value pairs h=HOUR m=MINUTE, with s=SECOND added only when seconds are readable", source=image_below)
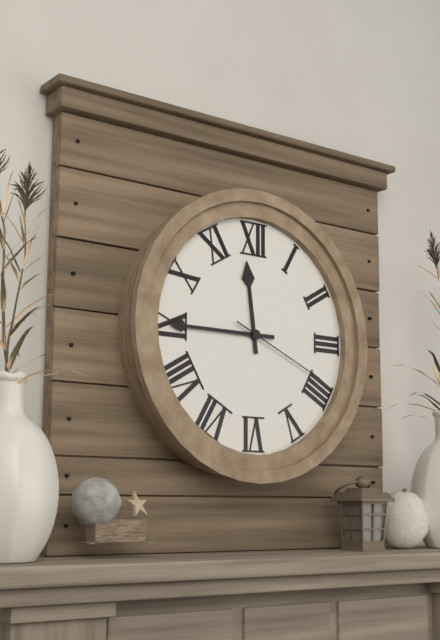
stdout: h=11 m=45 s=19
